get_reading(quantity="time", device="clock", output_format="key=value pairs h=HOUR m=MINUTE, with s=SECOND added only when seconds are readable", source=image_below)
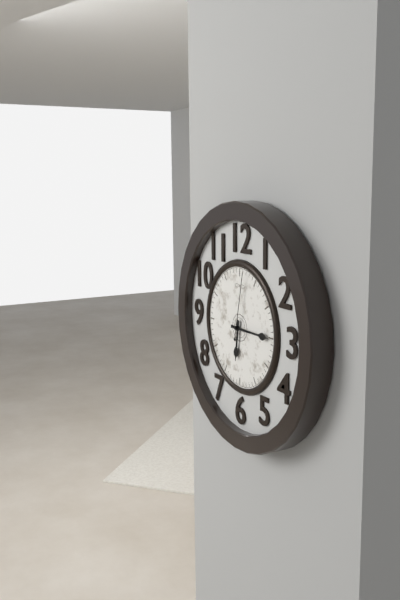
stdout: h=6 m=15 s=2
